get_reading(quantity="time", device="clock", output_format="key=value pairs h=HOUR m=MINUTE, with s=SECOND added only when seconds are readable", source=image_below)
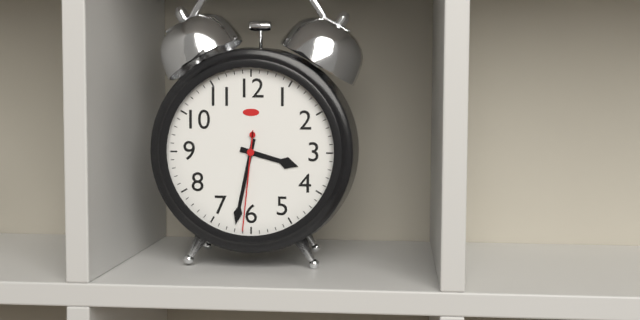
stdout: h=3 m=32 s=31
